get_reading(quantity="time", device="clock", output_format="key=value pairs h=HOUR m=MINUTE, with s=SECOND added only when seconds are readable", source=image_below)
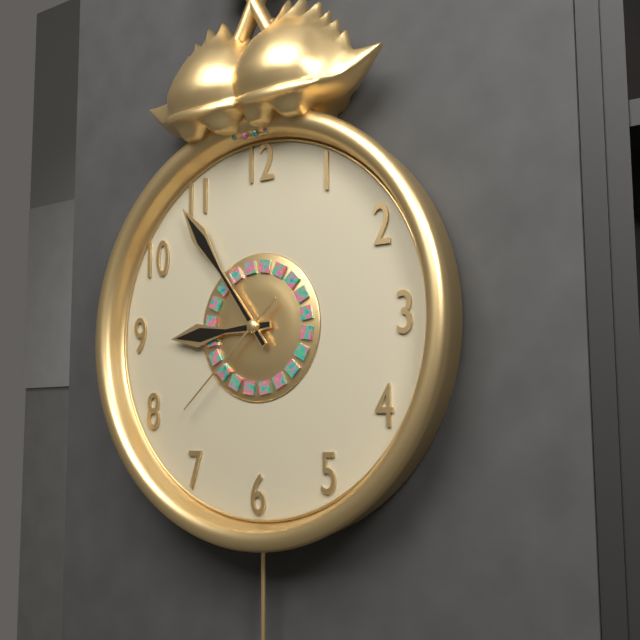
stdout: h=8 m=54 s=38
